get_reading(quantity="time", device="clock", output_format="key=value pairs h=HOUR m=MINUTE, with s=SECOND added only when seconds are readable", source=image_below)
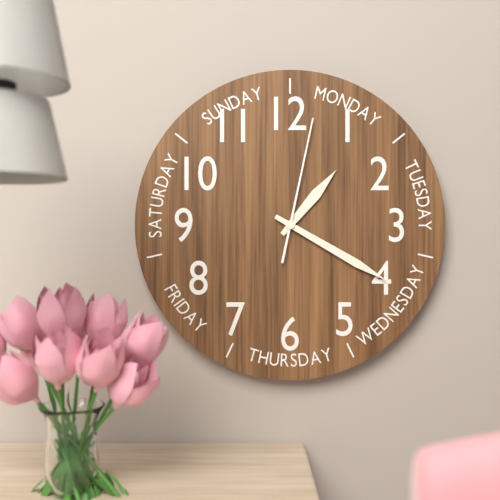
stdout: h=1 m=20 s=2
